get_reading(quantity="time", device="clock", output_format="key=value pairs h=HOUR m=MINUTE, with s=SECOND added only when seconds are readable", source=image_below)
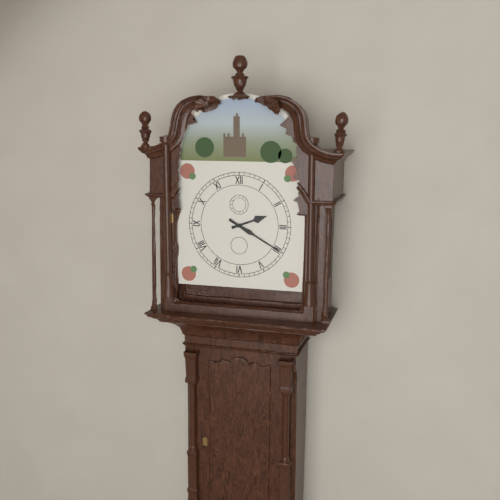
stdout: h=2 m=20
